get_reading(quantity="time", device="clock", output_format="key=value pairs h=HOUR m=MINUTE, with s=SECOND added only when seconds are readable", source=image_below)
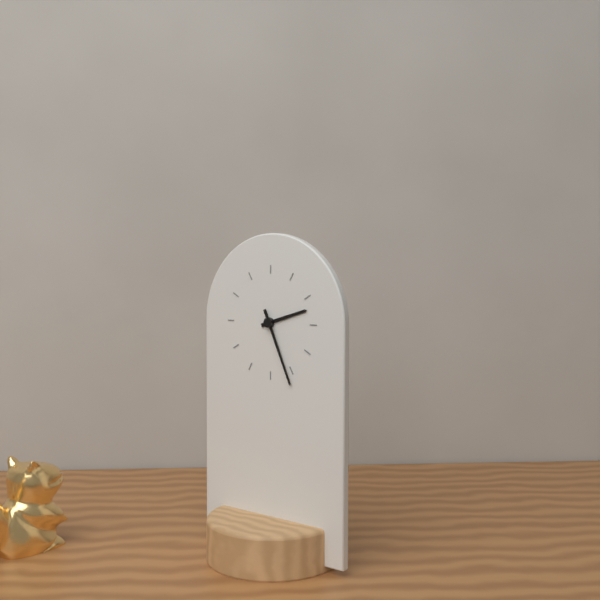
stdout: h=2 m=26
